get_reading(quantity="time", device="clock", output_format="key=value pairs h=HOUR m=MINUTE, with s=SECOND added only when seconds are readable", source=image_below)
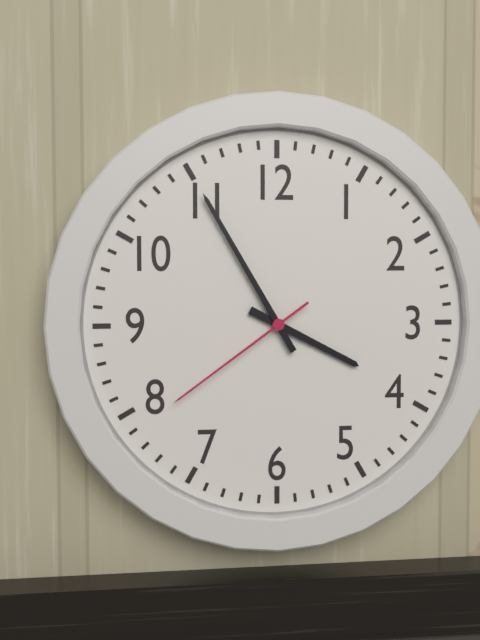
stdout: h=3 m=55 s=39
